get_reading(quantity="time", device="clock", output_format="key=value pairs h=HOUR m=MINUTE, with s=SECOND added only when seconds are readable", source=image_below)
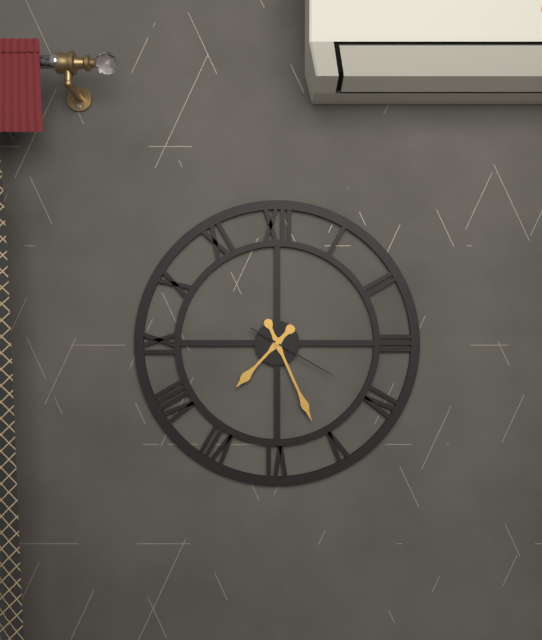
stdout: h=7 m=26 s=20
